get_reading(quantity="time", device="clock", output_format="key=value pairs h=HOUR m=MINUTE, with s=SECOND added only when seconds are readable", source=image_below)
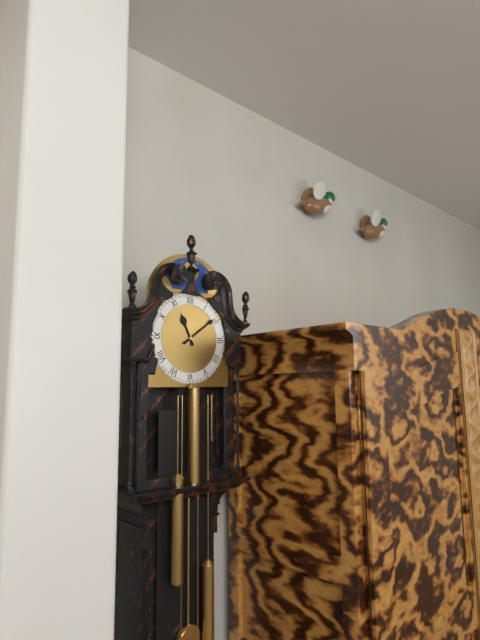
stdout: h=11 m=9
